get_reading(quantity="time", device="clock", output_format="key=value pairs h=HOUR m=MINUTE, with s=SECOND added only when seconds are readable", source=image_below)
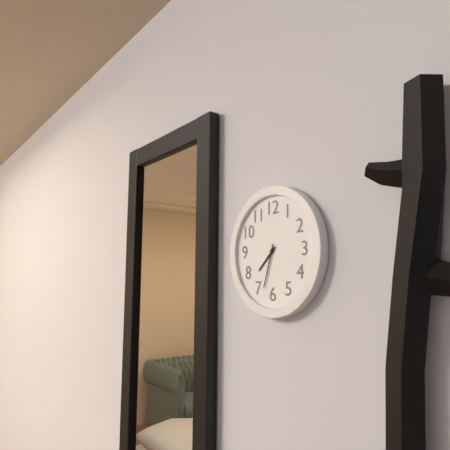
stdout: h=7 m=33
